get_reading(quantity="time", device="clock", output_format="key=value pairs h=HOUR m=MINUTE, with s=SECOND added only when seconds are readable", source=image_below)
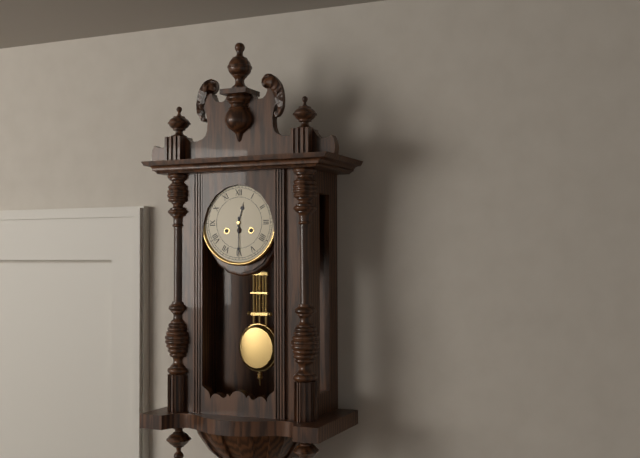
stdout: h=12 m=30
